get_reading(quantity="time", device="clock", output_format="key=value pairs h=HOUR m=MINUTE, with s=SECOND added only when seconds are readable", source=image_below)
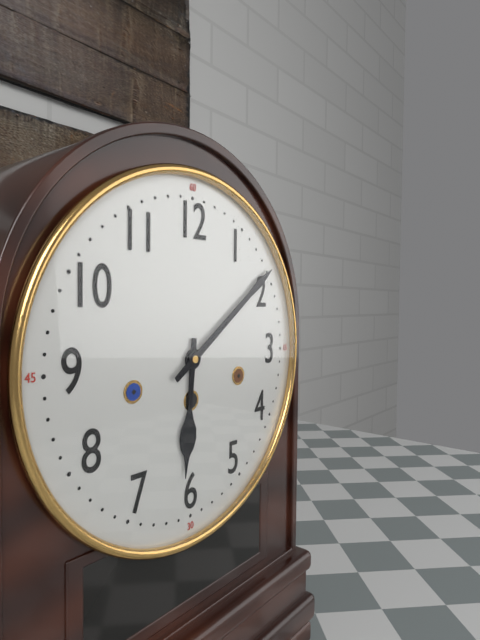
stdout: h=6 m=9
